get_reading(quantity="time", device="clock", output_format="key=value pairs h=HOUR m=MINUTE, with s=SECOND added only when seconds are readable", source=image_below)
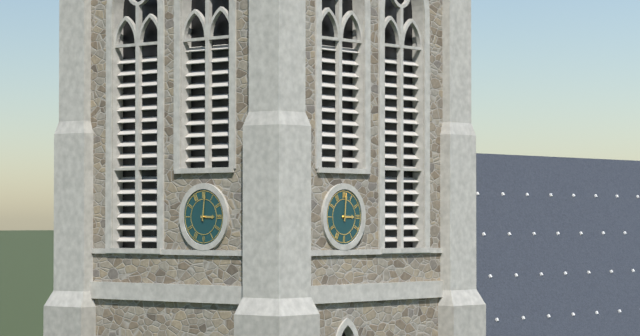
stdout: h=3 m=1
